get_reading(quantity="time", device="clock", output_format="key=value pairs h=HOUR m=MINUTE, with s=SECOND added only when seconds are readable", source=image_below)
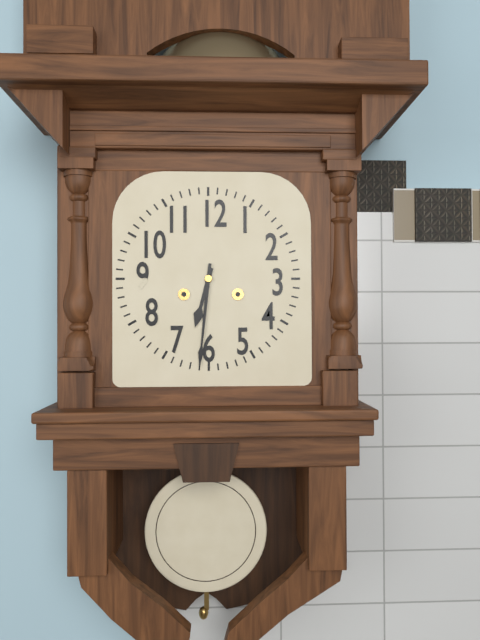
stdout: h=6 m=31
